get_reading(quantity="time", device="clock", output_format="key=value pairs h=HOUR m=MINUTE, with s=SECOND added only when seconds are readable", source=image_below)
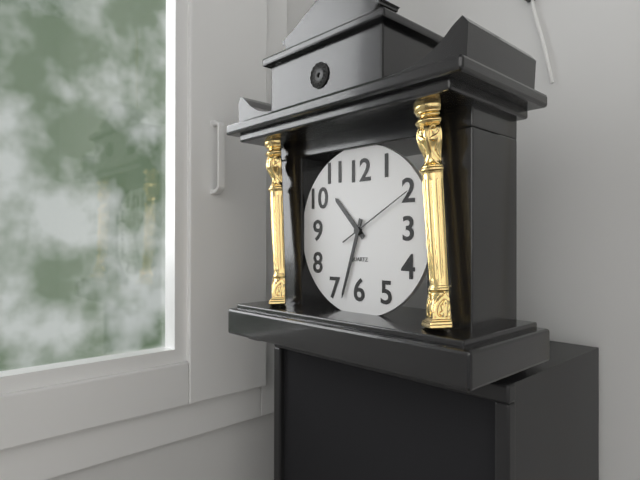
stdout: h=10 m=33 s=10
